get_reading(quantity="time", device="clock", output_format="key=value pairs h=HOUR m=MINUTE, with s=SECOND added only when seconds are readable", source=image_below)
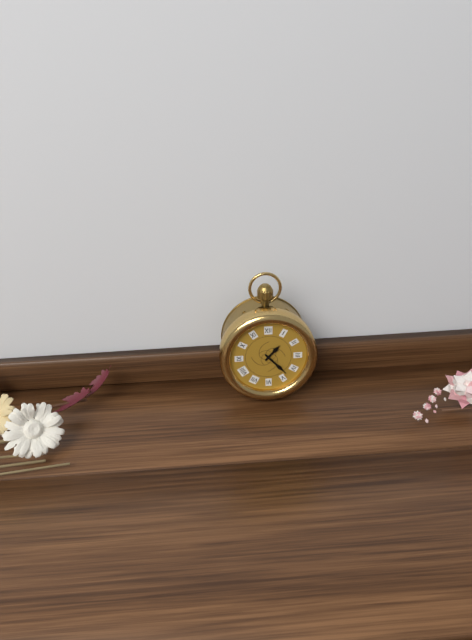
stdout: h=1 m=23
